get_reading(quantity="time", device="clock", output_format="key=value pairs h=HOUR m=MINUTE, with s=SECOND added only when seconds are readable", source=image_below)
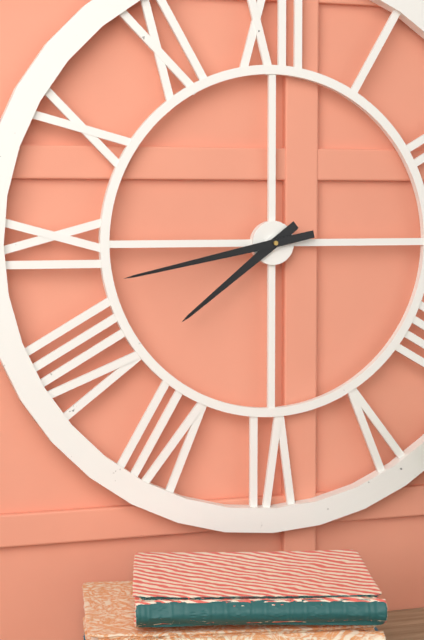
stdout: h=7 m=43
